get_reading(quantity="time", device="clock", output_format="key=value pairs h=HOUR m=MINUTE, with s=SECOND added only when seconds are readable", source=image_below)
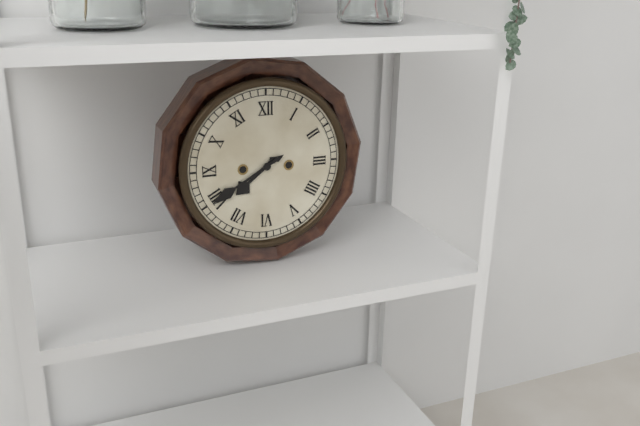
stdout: h=7 m=40
